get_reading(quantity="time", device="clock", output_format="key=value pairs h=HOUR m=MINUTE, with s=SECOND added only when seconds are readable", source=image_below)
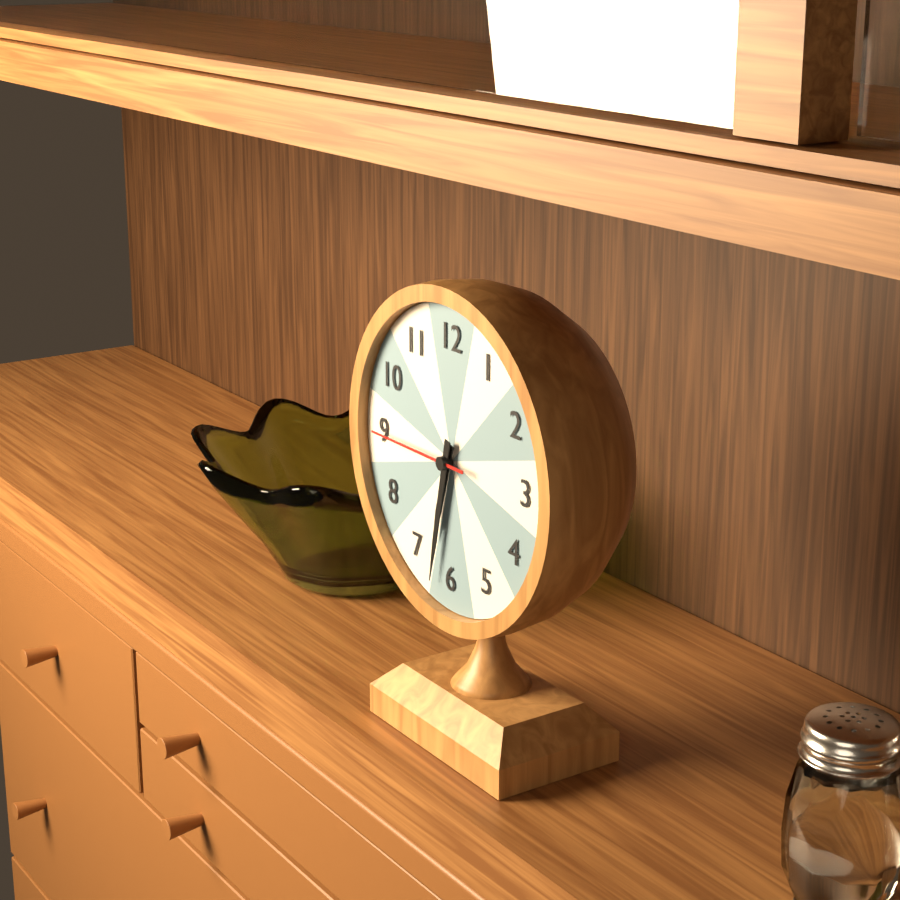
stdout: h=6 m=32 s=45
